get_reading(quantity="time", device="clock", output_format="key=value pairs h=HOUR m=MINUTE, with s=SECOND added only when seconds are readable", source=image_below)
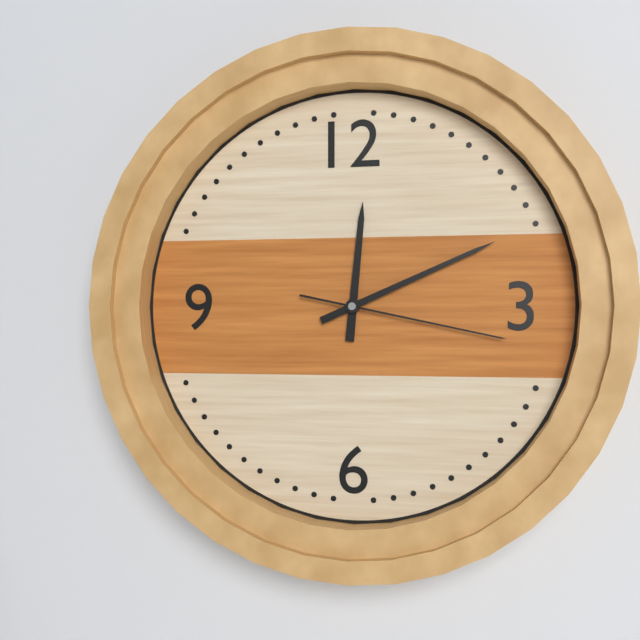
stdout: h=12 m=11 s=17
